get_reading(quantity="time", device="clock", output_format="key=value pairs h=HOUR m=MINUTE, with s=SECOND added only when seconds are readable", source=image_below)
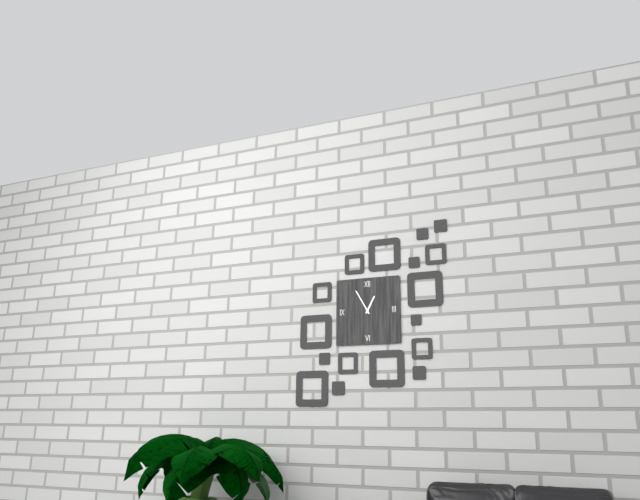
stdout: h=12 m=55
